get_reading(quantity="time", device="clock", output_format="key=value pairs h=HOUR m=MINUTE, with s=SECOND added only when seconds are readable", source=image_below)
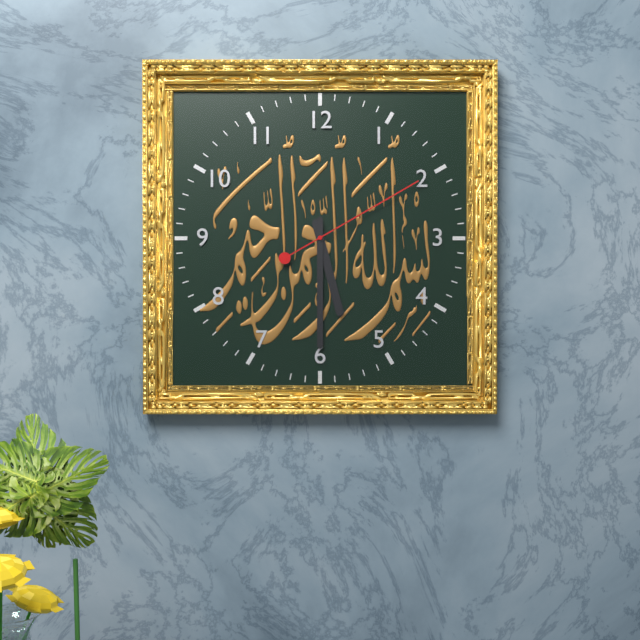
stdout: h=5 m=30 s=10
